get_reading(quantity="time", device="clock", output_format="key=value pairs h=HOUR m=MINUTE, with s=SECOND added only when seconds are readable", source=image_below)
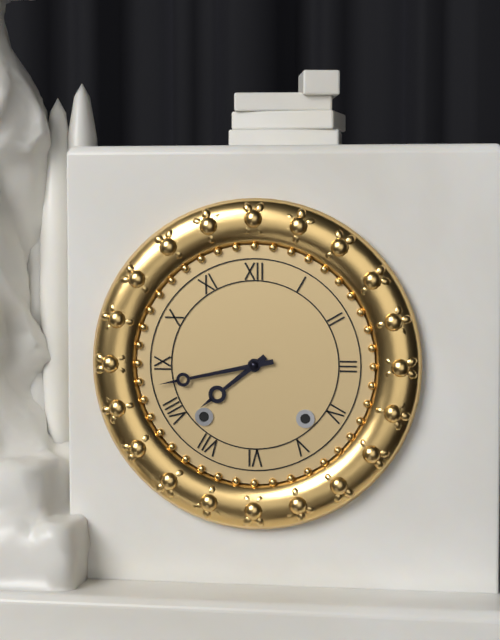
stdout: h=7 m=43
